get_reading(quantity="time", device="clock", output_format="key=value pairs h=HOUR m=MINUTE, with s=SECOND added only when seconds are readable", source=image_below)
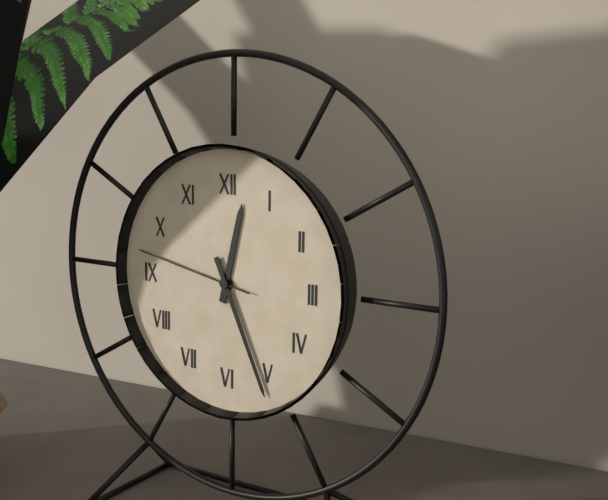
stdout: h=12 m=26 s=47
